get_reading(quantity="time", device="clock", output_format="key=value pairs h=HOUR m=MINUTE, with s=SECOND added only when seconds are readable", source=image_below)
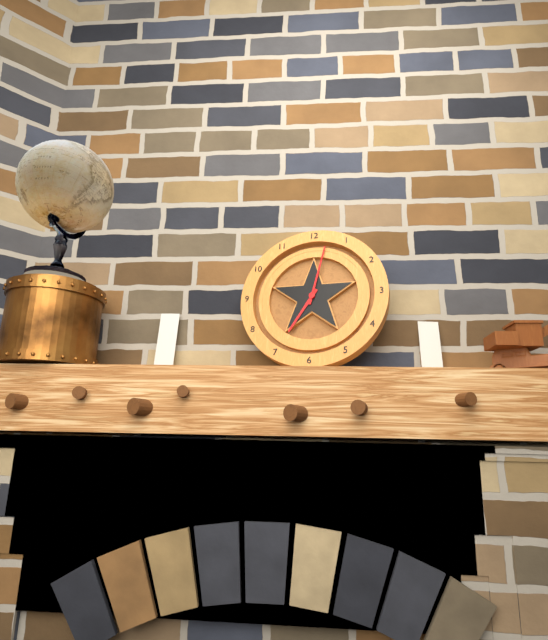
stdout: h=7 m=2
